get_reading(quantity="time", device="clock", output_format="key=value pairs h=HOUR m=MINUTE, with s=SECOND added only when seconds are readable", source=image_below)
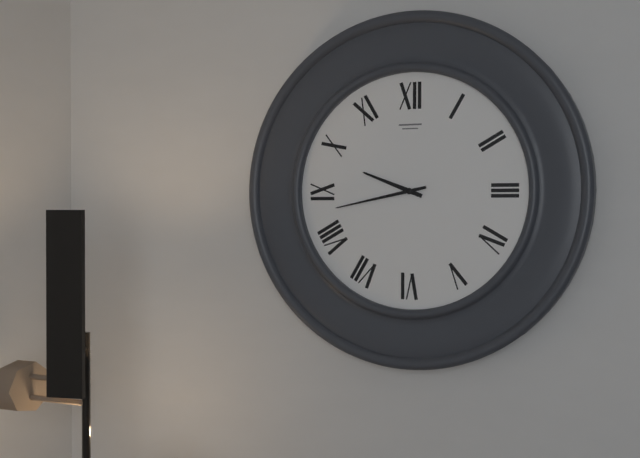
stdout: h=9 m=43
